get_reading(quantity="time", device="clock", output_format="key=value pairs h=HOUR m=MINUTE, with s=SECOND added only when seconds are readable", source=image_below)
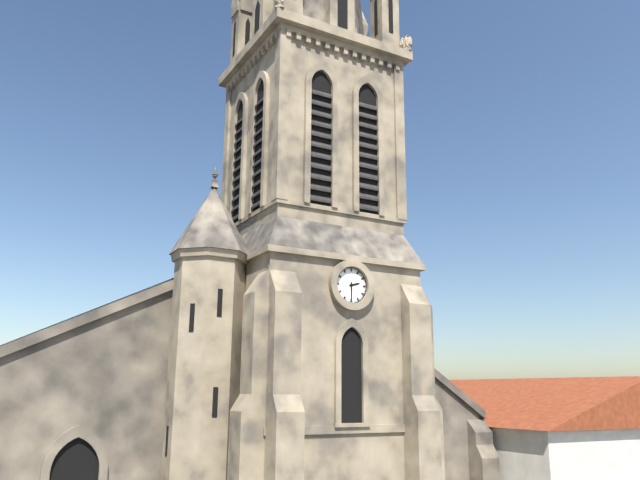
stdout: h=2 m=30
